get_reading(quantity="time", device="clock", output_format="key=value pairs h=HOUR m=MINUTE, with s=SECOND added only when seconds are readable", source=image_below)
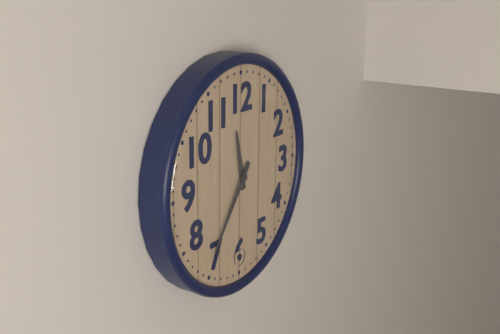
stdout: h=11 m=36
